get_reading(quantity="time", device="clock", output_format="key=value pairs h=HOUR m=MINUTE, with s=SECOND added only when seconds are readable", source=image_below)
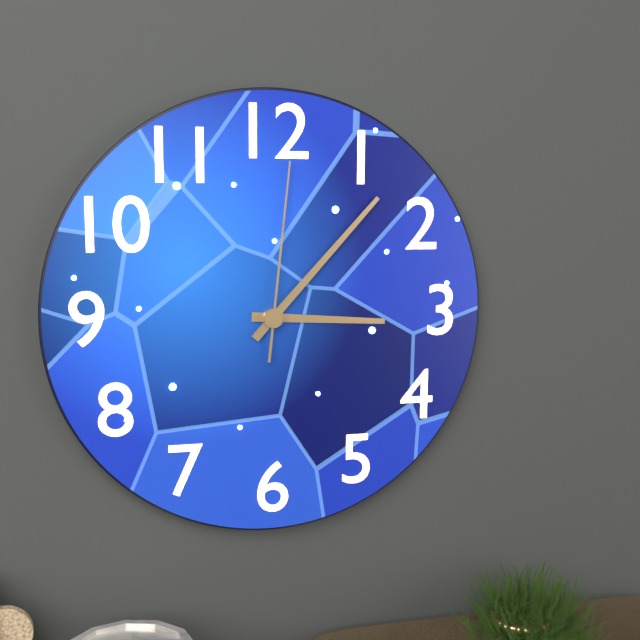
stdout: h=3 m=7 s=1
